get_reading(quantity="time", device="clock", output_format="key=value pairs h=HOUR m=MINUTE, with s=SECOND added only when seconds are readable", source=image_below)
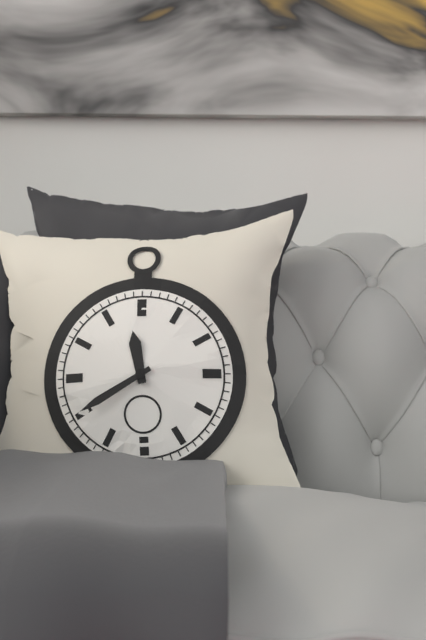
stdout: h=11 m=40
